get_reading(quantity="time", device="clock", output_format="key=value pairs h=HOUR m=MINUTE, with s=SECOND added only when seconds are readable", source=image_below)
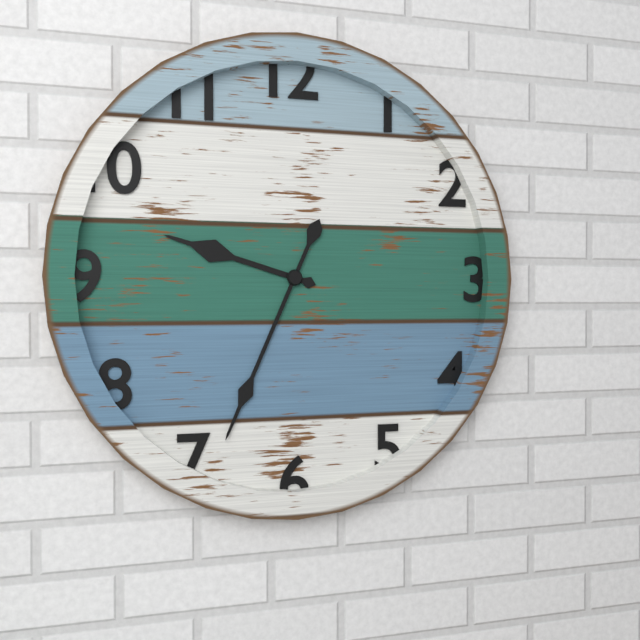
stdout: h=9 m=34
